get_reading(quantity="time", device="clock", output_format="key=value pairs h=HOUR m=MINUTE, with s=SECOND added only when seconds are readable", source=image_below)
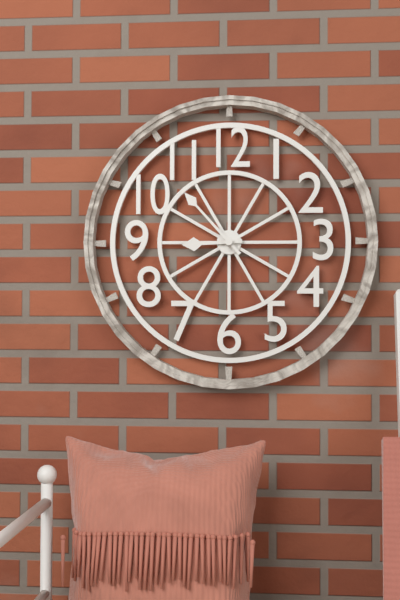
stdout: h=8 m=53
